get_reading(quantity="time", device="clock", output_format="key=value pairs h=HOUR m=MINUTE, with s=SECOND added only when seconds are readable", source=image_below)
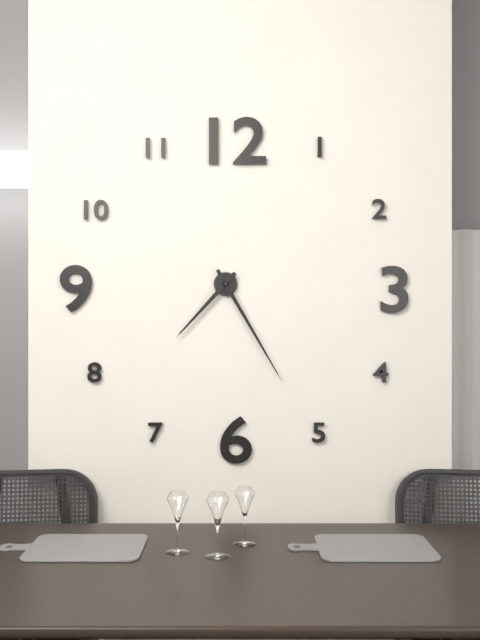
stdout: h=7 m=25
